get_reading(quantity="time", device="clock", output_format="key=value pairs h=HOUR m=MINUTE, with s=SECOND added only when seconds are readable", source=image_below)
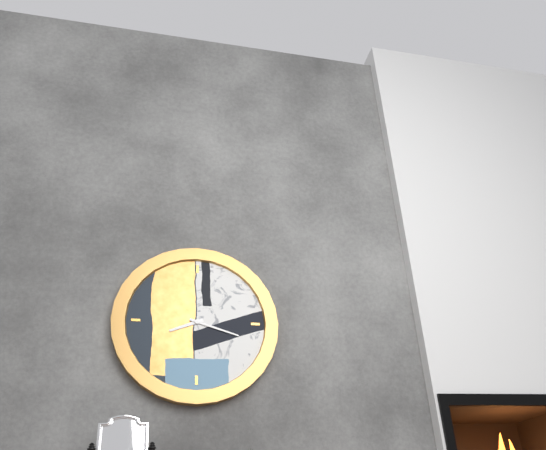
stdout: h=8 m=18
